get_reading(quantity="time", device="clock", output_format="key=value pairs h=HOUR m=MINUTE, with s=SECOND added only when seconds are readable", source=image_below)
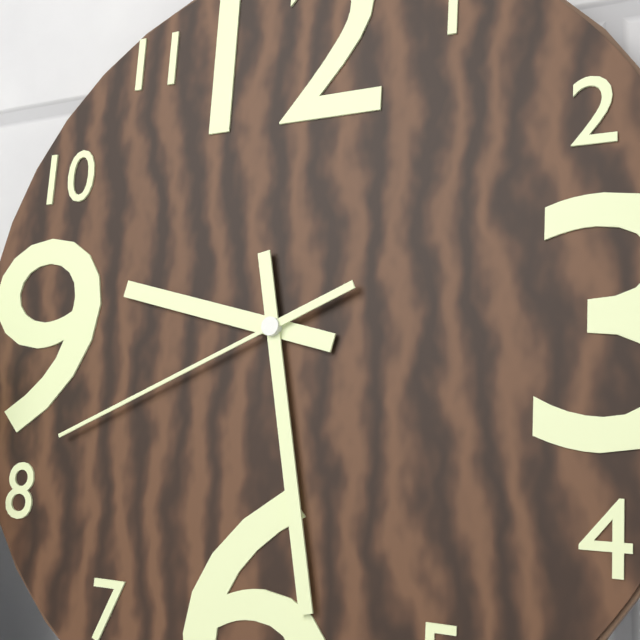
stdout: h=9 m=28 s=41
